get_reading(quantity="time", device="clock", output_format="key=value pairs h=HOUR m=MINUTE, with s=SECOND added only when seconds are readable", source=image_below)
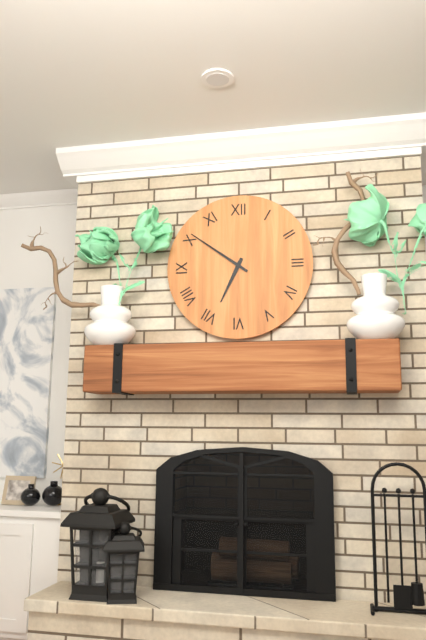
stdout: h=6 m=51
